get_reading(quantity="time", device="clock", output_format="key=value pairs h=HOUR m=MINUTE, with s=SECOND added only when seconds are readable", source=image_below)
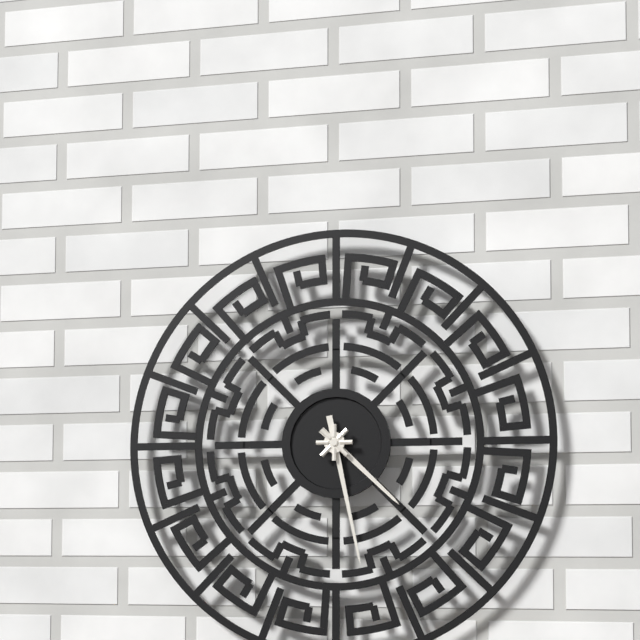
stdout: h=4 m=28
